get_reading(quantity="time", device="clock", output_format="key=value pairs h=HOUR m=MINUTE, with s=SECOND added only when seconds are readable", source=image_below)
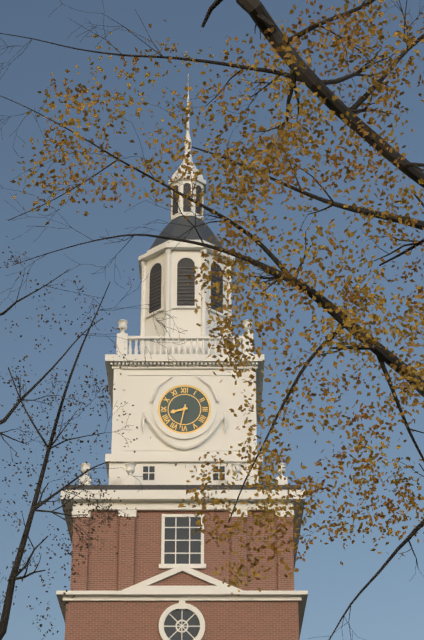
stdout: h=8 m=32
